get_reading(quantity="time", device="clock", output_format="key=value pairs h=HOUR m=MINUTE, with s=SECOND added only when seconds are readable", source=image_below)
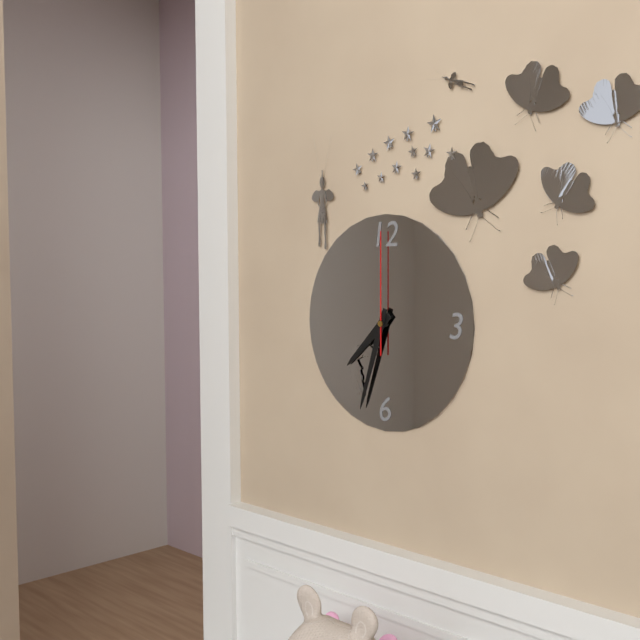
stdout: h=7 m=33 s=0
